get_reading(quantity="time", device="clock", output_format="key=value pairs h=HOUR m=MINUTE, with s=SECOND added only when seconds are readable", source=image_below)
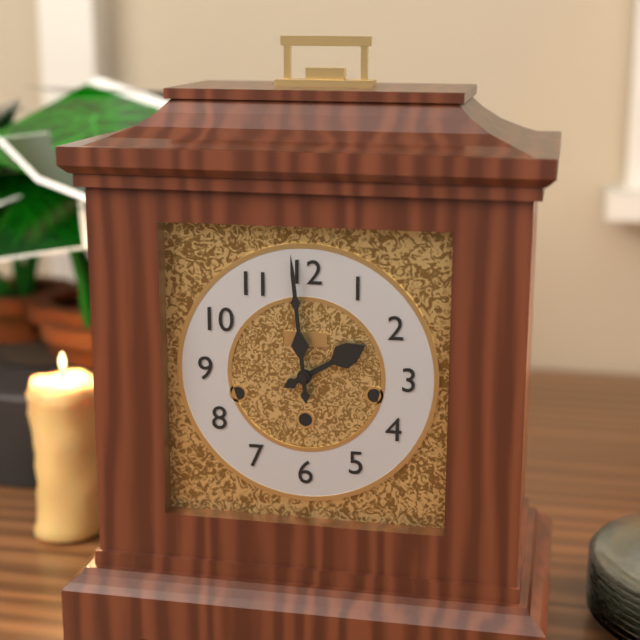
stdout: h=1 m=59
